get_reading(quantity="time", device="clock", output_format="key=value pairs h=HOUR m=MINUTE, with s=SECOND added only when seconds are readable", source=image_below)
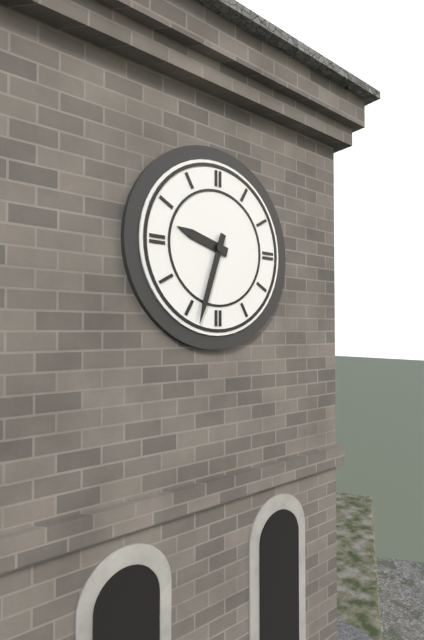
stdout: h=9 m=33
